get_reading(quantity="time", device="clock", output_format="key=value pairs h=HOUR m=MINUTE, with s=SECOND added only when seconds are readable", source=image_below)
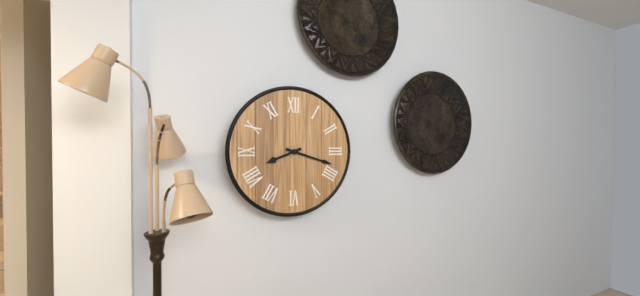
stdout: h=8 m=18
